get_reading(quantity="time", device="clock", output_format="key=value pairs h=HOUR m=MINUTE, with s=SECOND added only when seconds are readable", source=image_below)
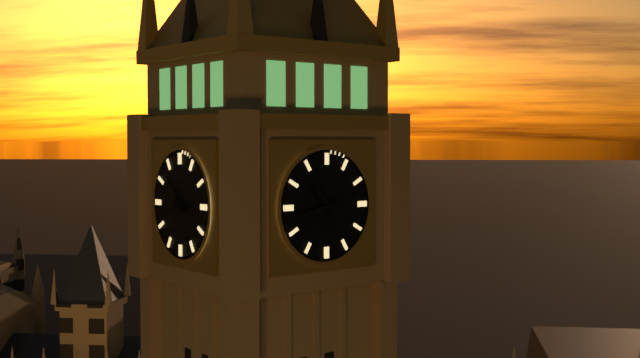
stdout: h=10 m=43
